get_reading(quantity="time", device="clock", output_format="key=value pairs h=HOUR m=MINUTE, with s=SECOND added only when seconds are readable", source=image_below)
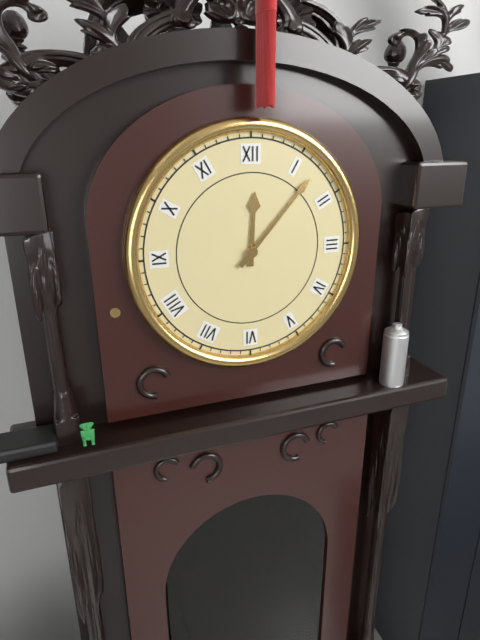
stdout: h=12 m=7
